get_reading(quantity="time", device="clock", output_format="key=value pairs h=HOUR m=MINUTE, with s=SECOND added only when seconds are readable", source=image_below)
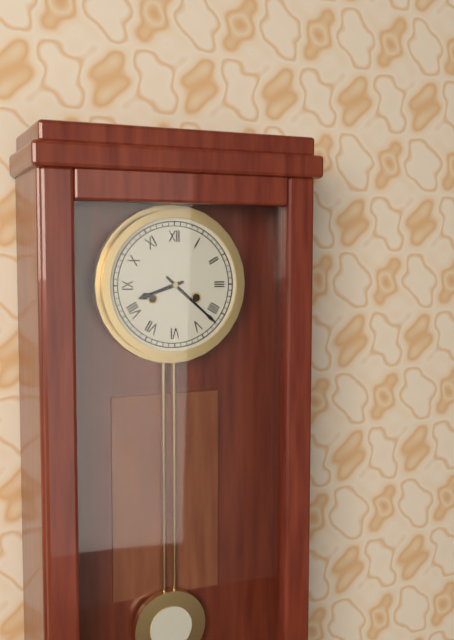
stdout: h=8 m=22
